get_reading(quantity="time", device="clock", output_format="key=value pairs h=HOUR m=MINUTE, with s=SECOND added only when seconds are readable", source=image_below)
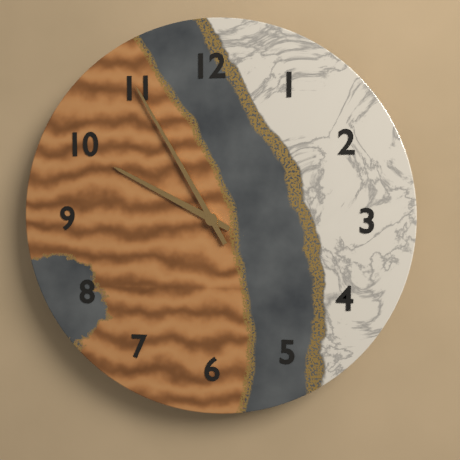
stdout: h=9 m=55
